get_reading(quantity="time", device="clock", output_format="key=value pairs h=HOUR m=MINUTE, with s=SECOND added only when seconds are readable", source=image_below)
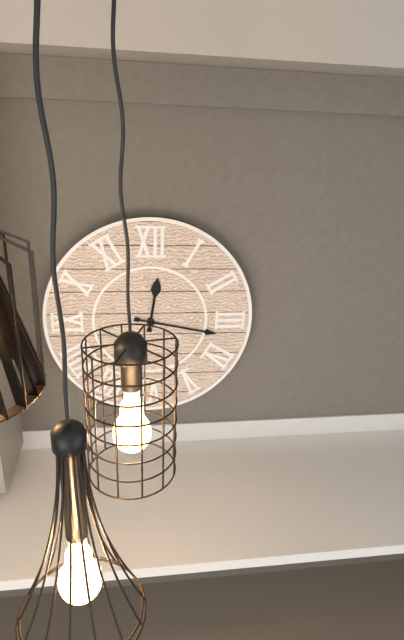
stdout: h=12 m=17
